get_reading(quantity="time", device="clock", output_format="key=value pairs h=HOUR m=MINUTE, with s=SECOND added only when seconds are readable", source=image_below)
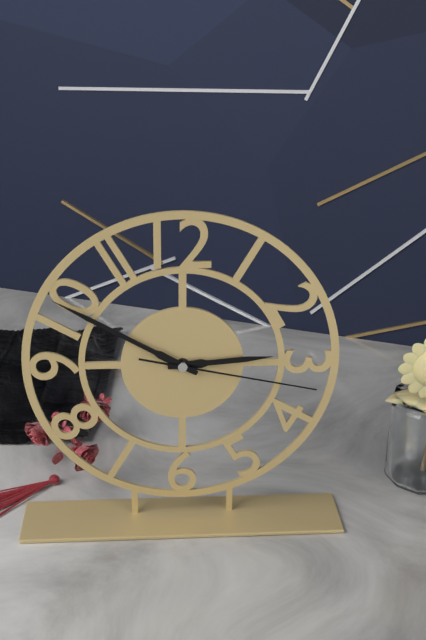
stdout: h=2 m=50 s=17
